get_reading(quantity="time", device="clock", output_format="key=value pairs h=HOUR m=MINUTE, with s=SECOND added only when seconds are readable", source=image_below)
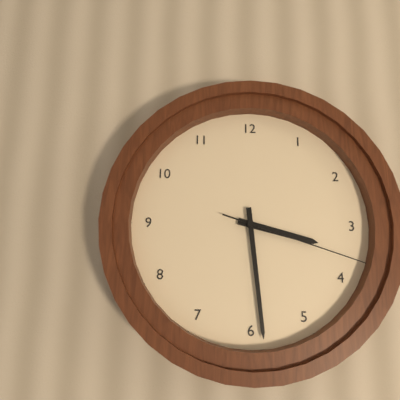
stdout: h=3 m=29 s=18
